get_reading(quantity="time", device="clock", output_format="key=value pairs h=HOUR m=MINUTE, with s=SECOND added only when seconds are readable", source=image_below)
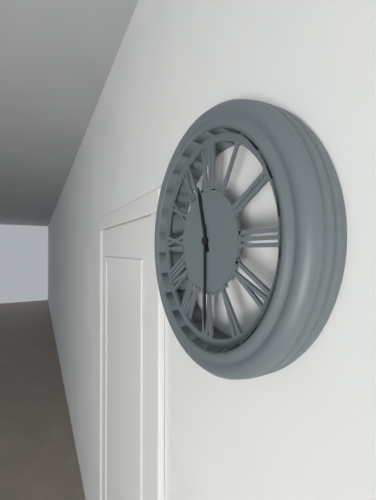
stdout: h=11 m=30
